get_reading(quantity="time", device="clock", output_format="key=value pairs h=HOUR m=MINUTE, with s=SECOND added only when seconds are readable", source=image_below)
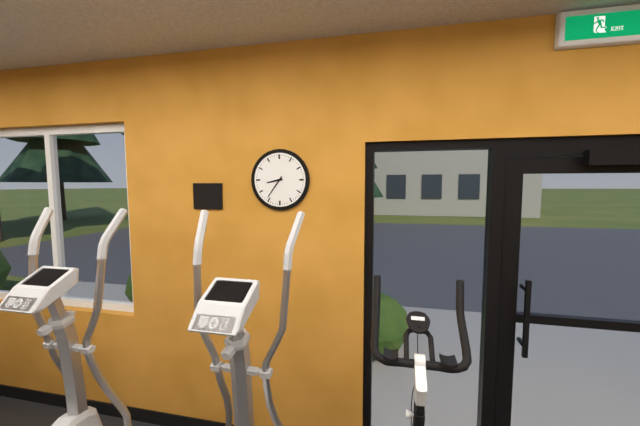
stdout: h=8 m=36
